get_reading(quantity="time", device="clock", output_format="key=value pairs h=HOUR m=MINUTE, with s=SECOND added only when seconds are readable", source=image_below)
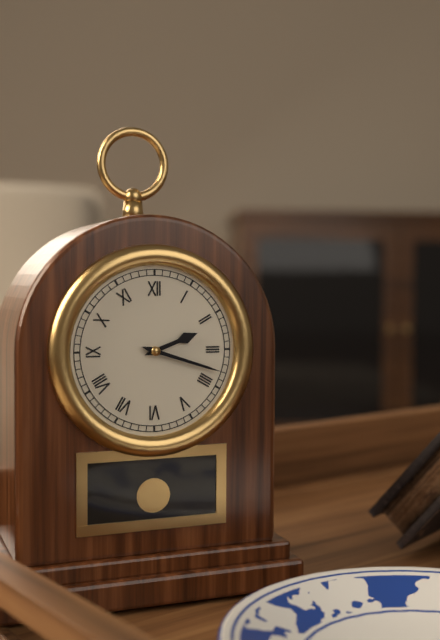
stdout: h=2 m=18
